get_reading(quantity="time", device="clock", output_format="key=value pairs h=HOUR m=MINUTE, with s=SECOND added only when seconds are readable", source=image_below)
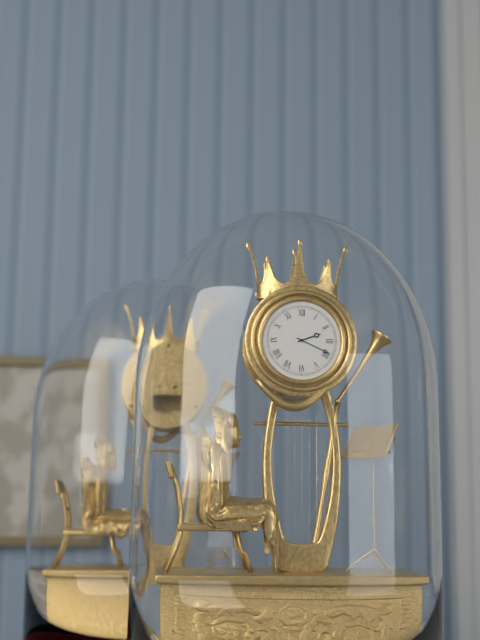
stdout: h=2 m=19
